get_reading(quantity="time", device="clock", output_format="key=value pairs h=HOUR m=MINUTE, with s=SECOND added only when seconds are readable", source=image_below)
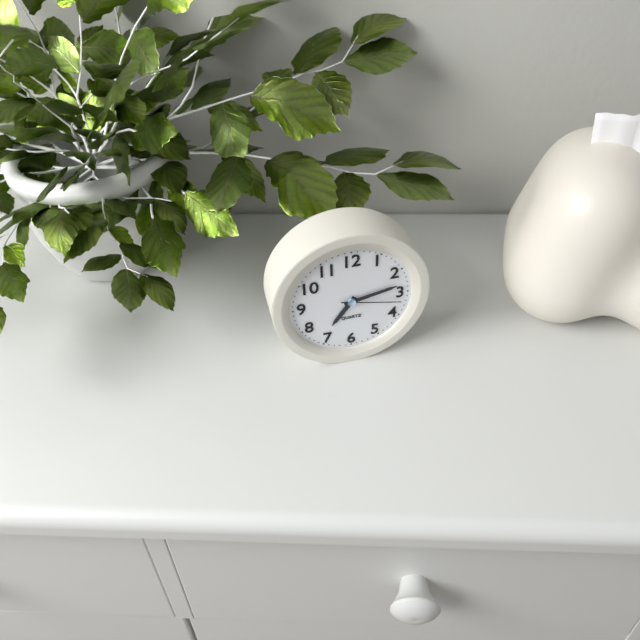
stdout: h=7 m=13 s=17
